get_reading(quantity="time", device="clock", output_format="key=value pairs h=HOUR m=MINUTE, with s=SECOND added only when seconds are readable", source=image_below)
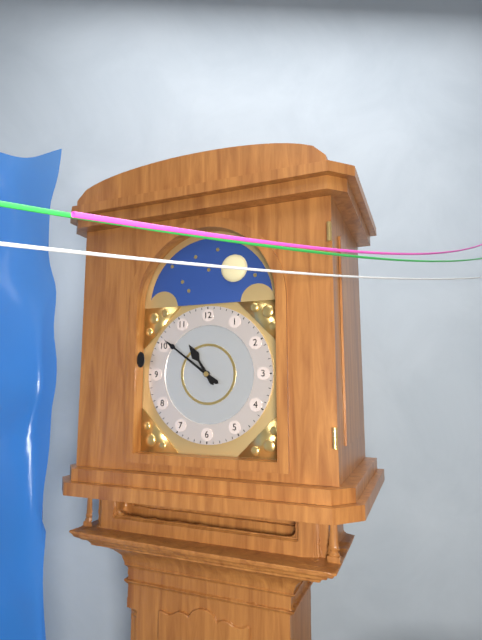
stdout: h=10 m=51
